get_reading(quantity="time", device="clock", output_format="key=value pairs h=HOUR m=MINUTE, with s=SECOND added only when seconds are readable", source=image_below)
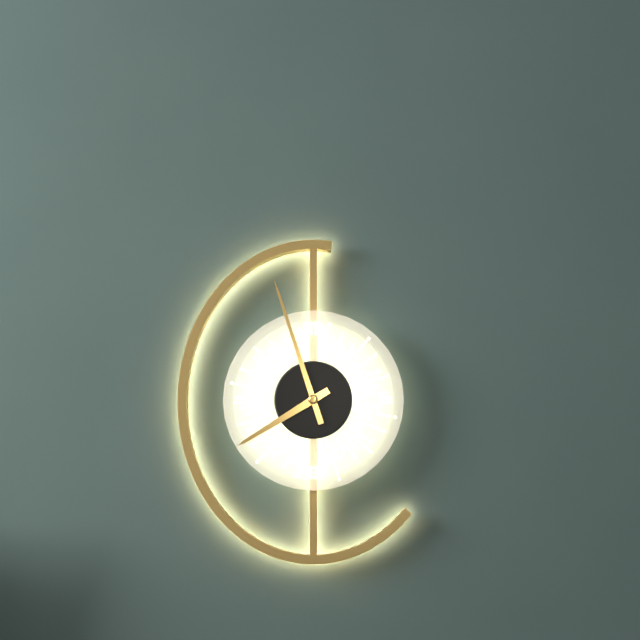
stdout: h=7 m=57
